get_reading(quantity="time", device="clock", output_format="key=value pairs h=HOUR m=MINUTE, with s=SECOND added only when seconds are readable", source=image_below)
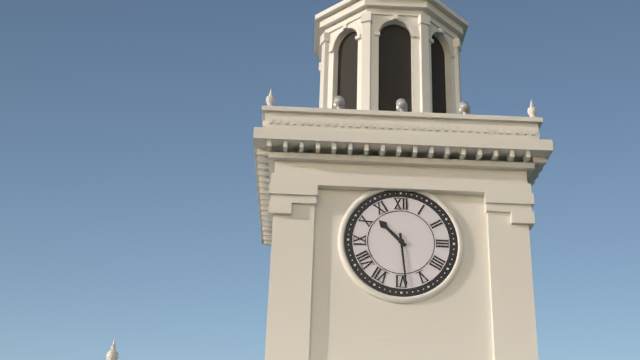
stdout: h=10 m=29
